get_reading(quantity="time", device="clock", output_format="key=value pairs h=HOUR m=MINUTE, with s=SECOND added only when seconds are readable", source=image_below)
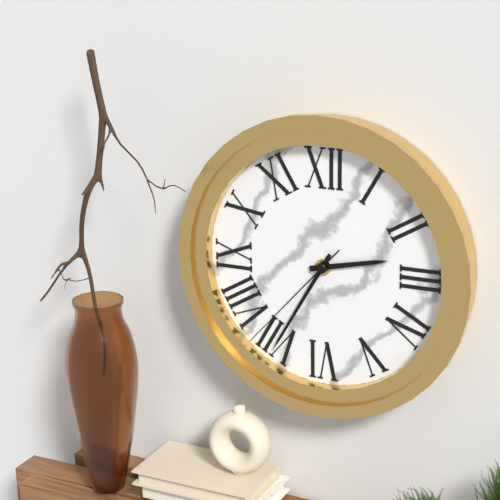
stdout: h=2 m=35 s=37
